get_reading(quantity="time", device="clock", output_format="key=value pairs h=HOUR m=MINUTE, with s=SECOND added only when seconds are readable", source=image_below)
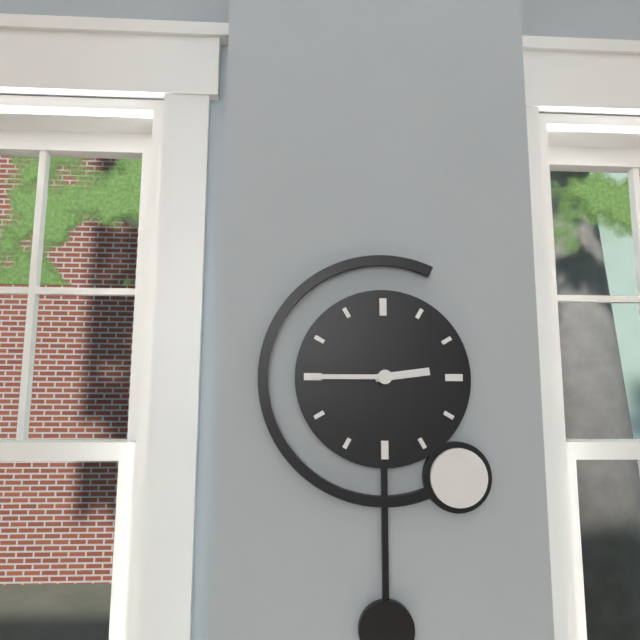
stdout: h=2 m=45
